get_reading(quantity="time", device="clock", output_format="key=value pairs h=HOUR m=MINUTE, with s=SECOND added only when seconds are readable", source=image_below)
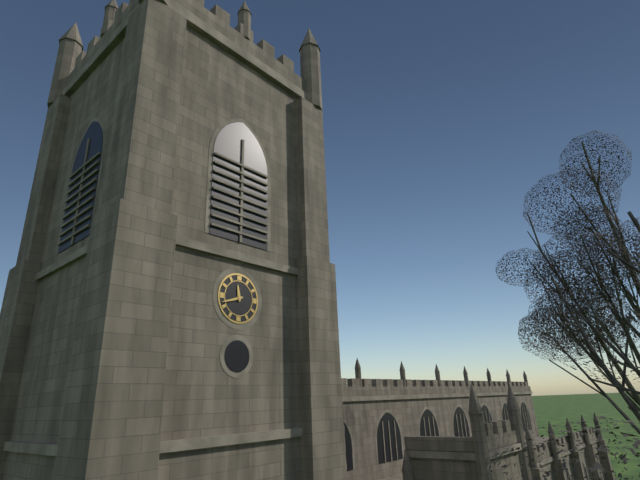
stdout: h=11 m=42
